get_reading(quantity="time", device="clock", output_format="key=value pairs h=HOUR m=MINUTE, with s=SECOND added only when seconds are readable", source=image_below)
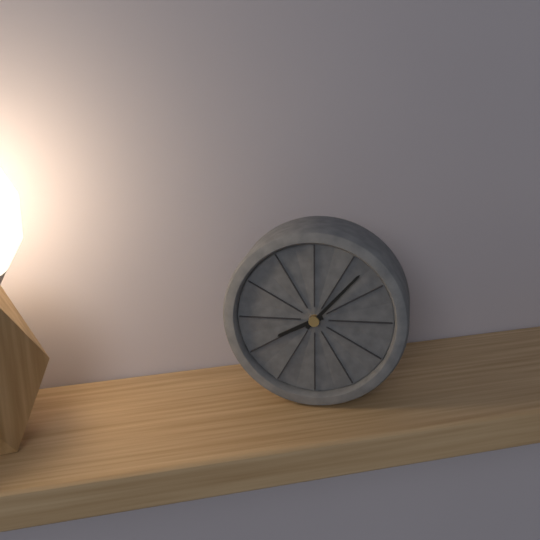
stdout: h=8 m=7
